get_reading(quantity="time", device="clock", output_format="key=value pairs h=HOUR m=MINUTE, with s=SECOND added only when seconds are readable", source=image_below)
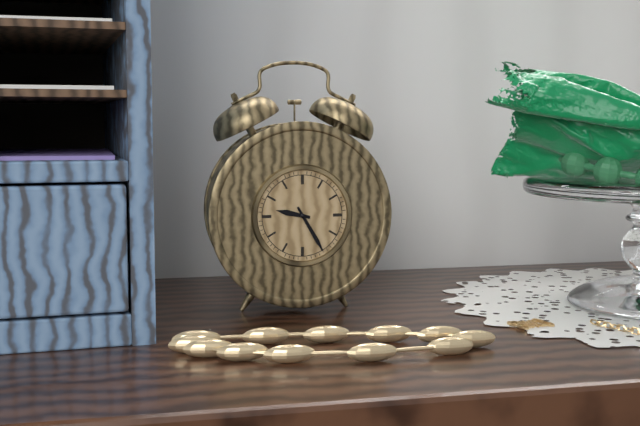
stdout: h=9 m=25
